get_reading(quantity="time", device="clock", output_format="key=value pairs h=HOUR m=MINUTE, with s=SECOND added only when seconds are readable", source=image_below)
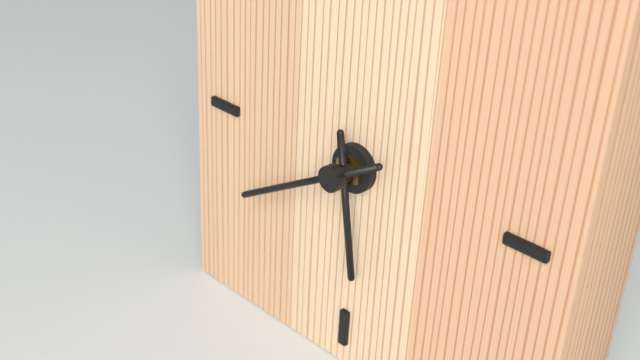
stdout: h=5 m=40
